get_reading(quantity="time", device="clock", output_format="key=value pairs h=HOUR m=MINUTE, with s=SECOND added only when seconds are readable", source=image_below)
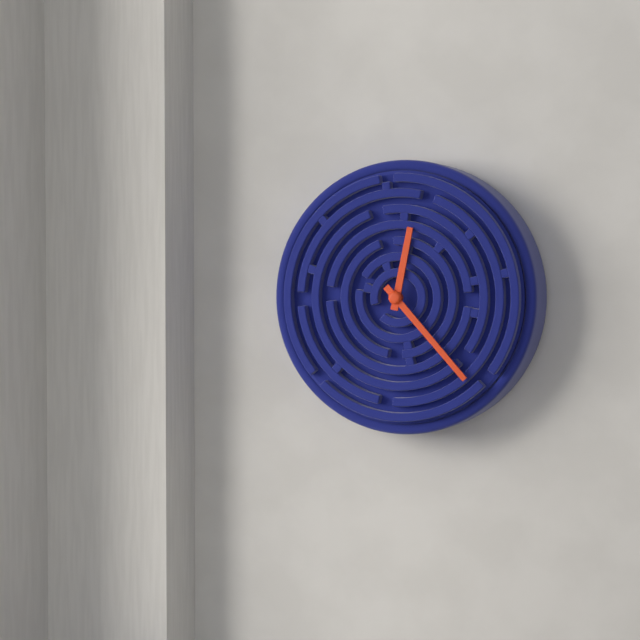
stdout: h=12 m=23
